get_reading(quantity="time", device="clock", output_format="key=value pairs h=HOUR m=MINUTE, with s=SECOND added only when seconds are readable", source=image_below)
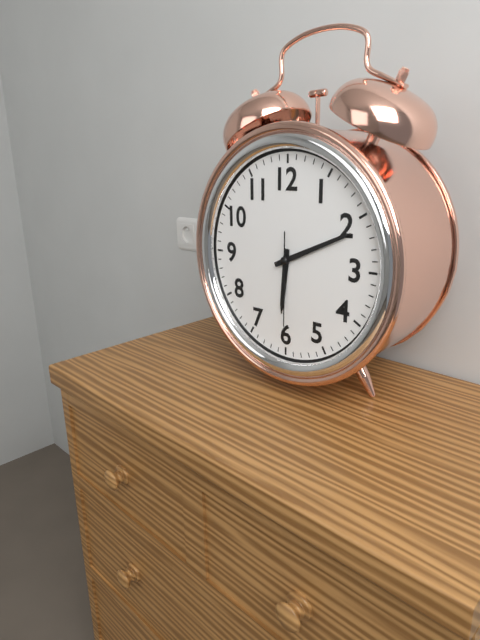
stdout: h=6 m=11 s=30
